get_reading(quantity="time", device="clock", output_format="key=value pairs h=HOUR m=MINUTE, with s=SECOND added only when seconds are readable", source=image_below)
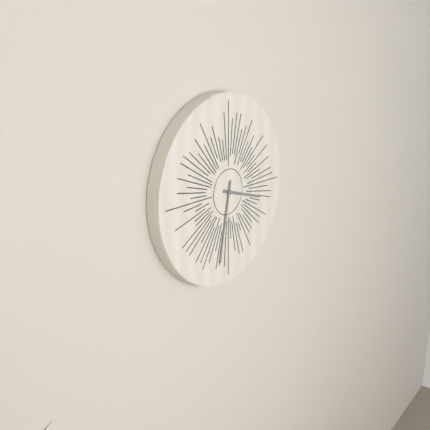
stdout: h=3 m=32
